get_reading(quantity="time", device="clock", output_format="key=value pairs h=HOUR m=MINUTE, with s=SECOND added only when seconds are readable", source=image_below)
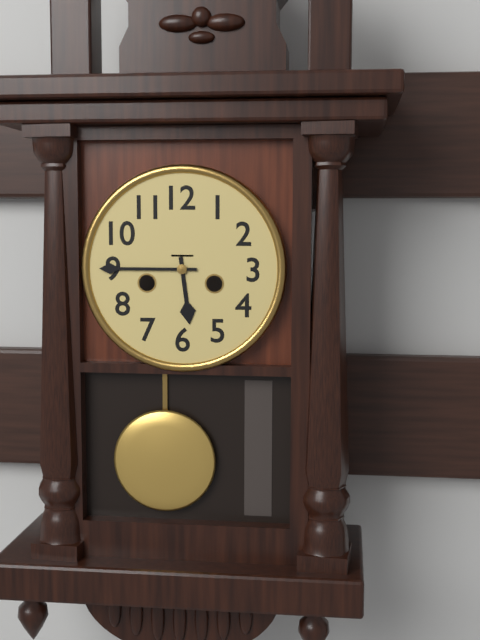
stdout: h=5 m=45
